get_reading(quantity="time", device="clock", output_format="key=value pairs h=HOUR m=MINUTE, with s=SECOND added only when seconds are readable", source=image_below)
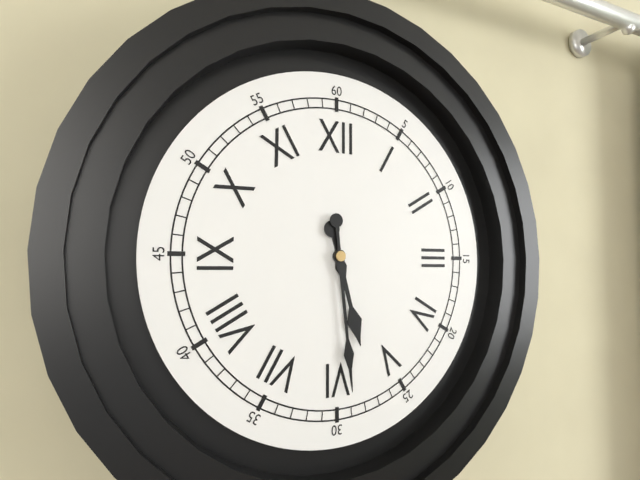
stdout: h=5 m=29
